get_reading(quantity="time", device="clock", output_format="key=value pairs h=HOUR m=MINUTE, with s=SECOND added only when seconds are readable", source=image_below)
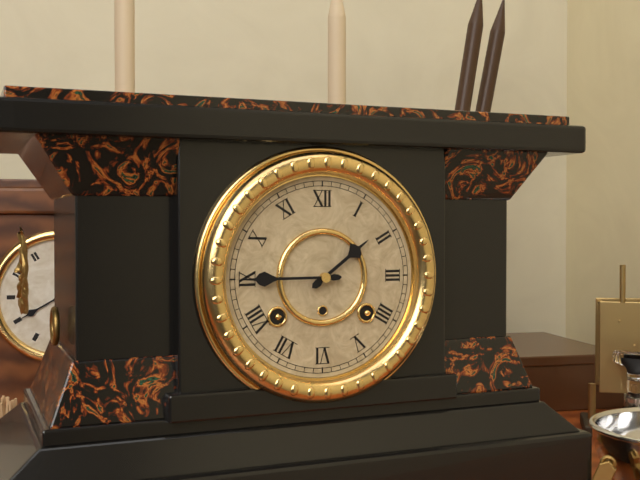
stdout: h=1 m=45
